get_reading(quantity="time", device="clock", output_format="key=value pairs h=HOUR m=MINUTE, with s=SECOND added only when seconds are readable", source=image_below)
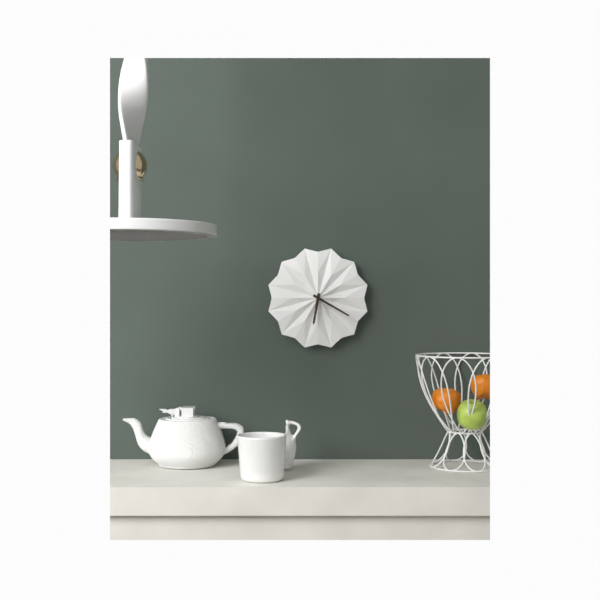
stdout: h=6 m=20
